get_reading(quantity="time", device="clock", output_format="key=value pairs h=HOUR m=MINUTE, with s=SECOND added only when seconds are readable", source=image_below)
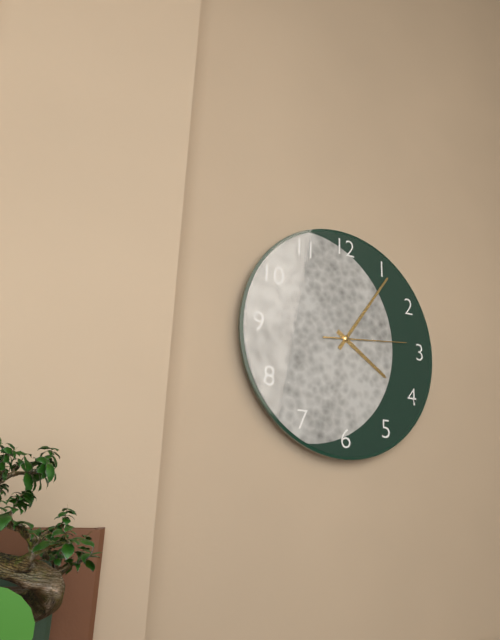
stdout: h=4 m=6 s=14
